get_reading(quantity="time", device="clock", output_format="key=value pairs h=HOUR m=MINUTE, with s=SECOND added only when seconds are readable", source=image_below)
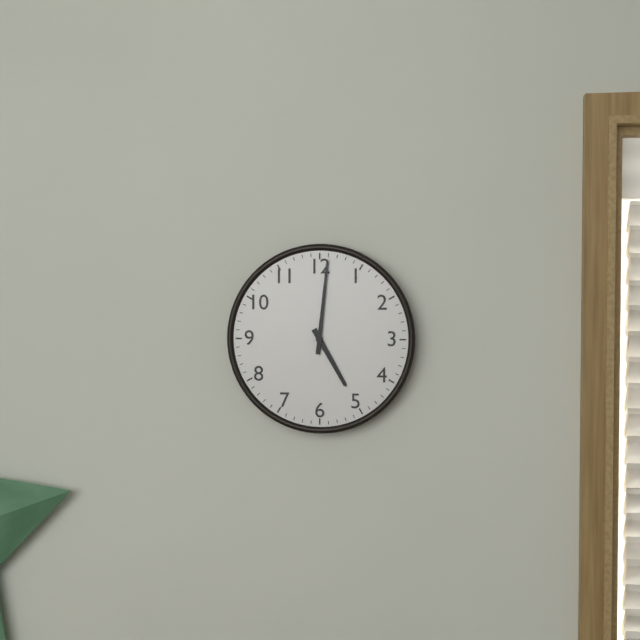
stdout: h=5 m=1
